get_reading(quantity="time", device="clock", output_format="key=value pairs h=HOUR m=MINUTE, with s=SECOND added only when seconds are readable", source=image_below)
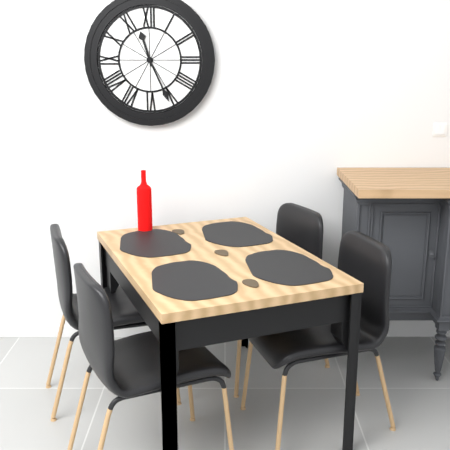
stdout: h=11 m=26
